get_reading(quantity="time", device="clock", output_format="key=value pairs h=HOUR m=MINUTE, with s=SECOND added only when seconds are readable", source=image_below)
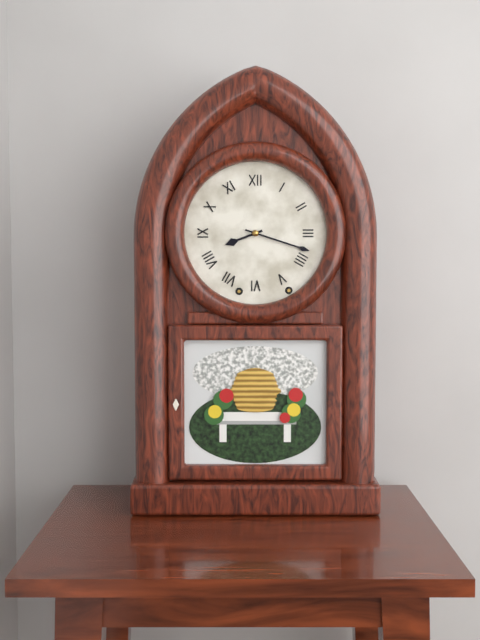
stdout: h=8 m=18
